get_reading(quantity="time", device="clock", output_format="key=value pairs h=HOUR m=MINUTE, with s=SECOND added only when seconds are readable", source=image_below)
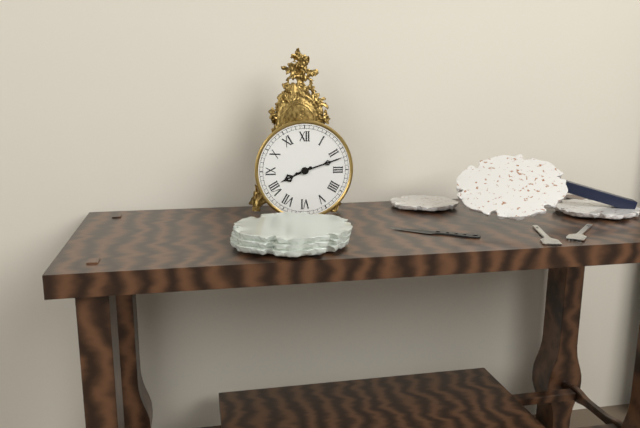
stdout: h=8 m=12
